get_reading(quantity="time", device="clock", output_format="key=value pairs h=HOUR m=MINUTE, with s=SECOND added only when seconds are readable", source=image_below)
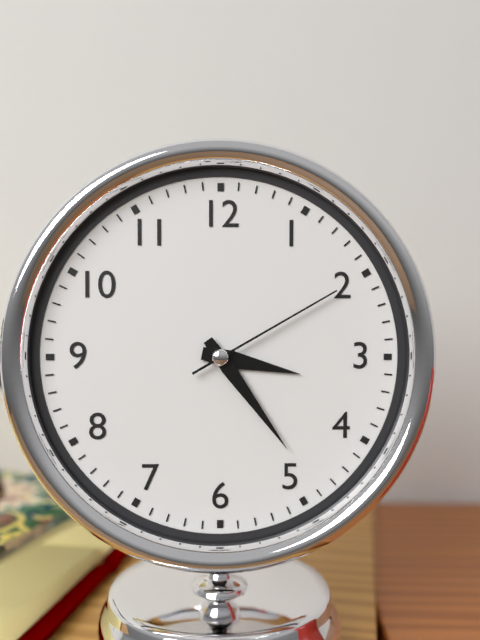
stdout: h=3 m=24 s=10
